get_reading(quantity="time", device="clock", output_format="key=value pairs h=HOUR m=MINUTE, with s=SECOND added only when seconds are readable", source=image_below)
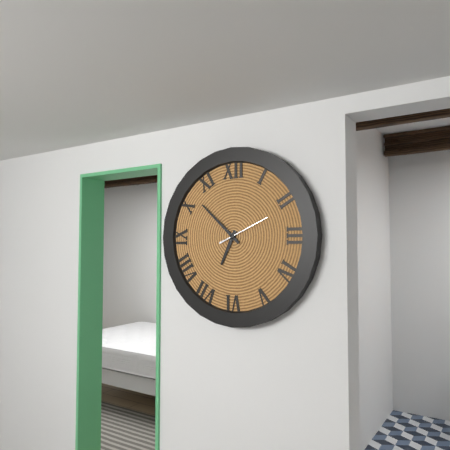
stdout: h=6 m=52
